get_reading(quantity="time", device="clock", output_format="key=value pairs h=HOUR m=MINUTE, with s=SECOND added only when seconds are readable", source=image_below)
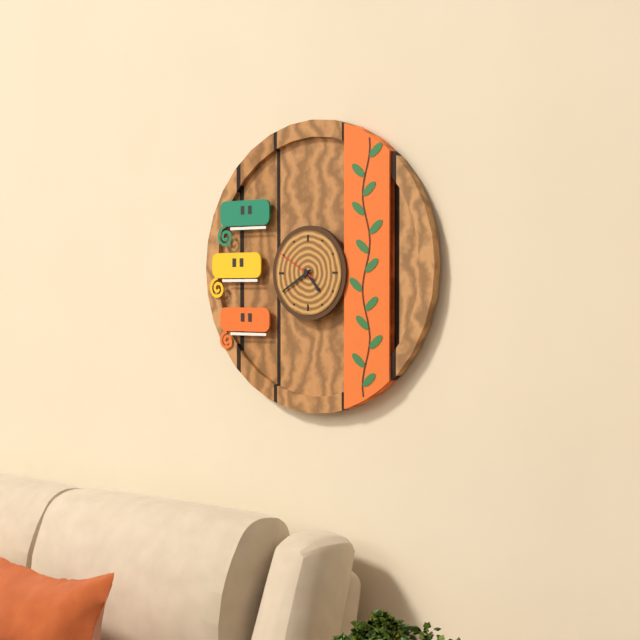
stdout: h=4 m=40
